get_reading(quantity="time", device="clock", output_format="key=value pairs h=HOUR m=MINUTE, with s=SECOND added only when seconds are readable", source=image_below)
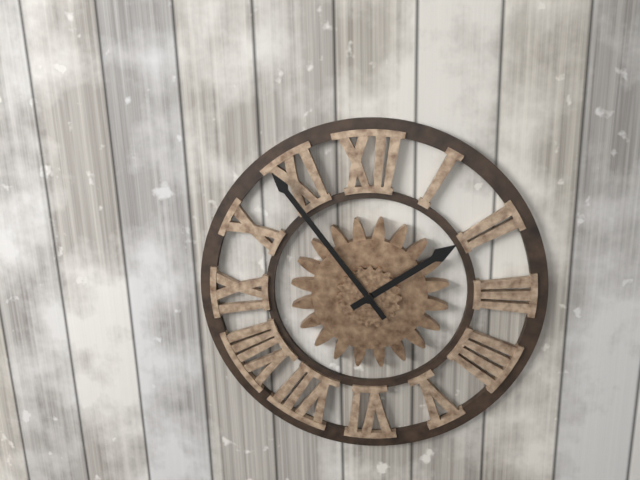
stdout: h=1 m=54
